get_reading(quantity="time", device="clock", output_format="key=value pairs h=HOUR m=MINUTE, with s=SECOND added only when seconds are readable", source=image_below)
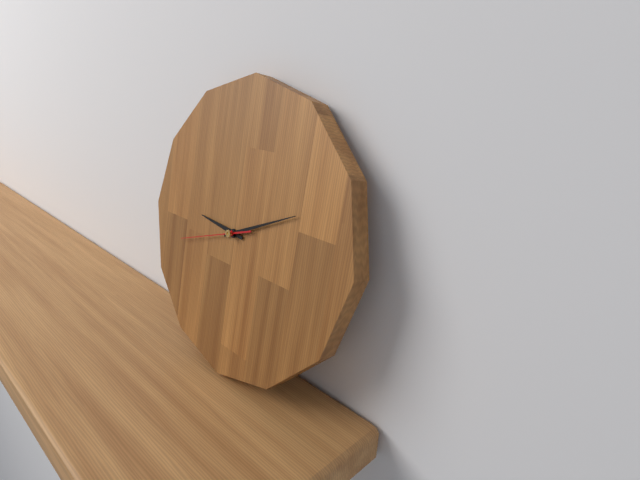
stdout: h=9 m=11 s=42
